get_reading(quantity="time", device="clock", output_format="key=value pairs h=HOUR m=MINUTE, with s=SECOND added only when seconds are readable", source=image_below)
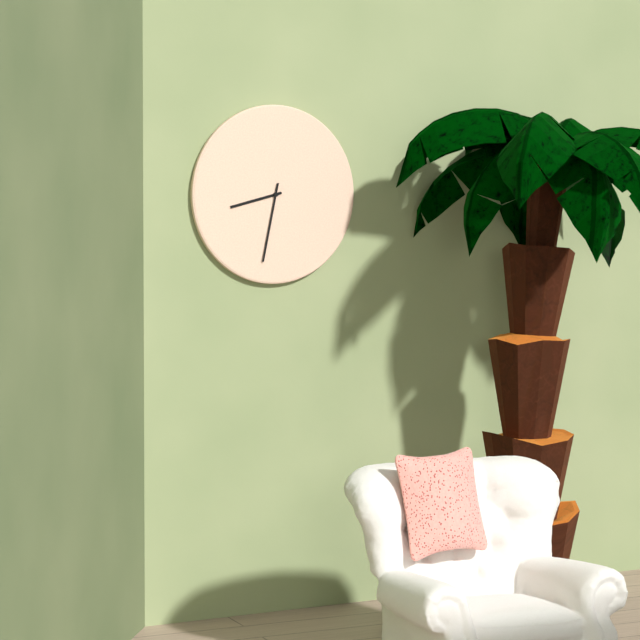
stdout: h=8 m=32
